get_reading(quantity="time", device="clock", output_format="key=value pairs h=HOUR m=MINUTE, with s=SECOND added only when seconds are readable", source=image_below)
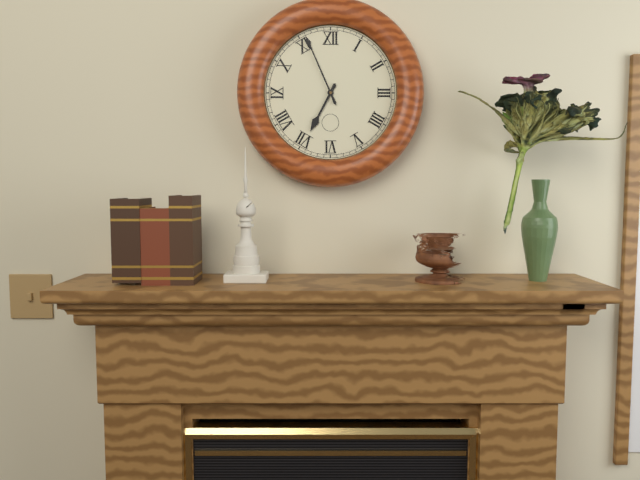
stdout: h=6 m=56
